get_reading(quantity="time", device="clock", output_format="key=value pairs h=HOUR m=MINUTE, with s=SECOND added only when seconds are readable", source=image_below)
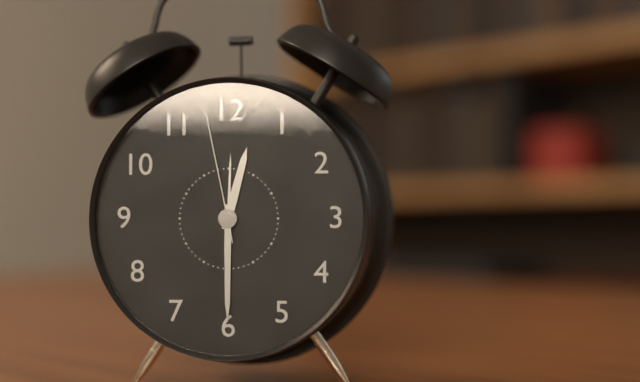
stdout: h=12 m=30 s=58
